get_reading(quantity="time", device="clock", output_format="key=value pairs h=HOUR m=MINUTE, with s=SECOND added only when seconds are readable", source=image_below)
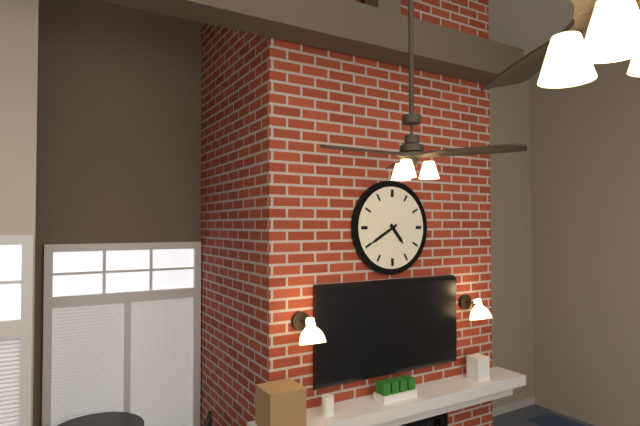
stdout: h=4 m=40
